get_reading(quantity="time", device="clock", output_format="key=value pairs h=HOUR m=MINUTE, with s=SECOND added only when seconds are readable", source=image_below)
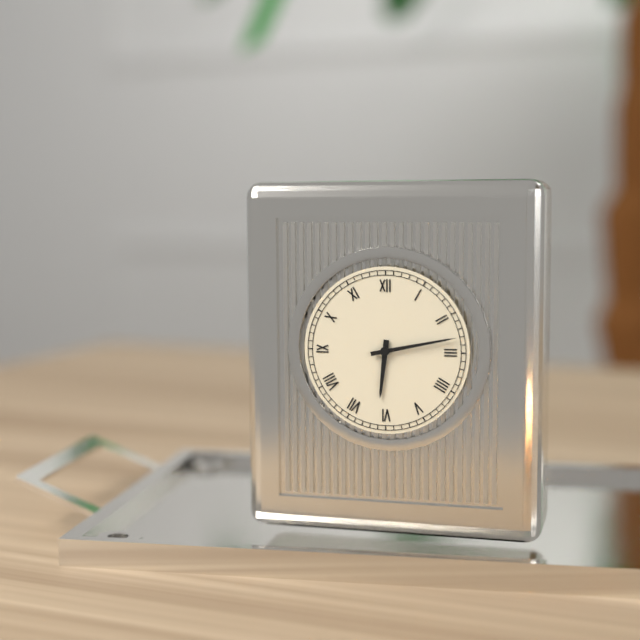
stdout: h=6 m=13
